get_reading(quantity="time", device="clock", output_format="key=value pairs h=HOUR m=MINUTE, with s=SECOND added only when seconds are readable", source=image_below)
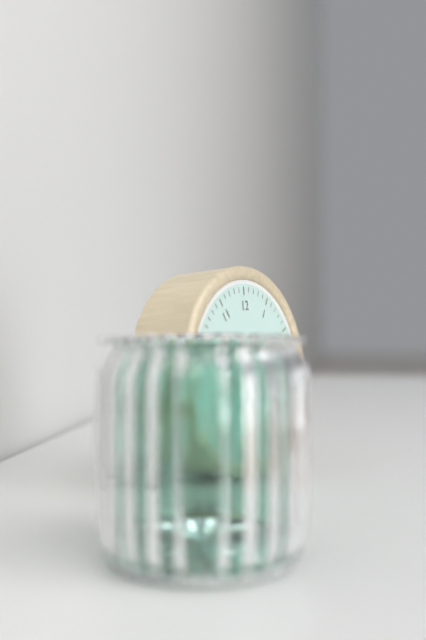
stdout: h=1 m=49
